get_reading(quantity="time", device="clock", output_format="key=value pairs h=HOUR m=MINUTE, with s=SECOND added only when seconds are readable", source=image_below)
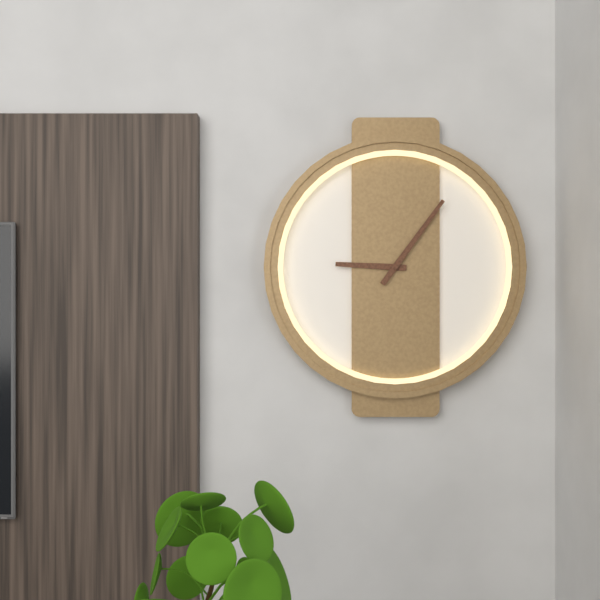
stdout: h=9 m=6
